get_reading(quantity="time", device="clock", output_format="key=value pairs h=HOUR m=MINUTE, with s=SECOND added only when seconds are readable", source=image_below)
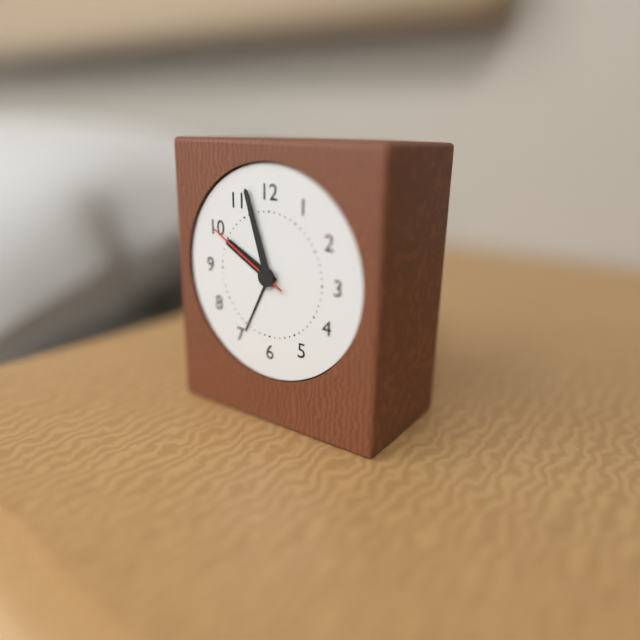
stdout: h=9 m=57 s=50
